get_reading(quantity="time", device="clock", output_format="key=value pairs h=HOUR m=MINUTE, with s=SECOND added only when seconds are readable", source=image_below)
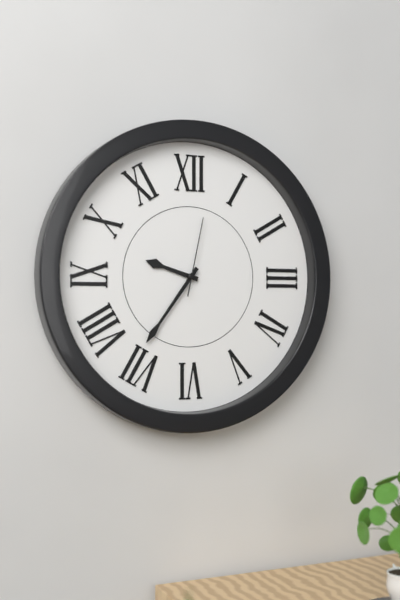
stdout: h=9 m=36 s=2
